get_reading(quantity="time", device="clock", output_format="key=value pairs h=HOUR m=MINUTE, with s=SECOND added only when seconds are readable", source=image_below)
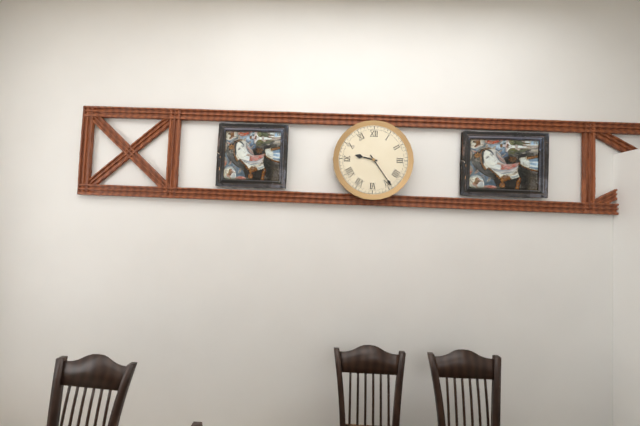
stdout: h=9 m=24
